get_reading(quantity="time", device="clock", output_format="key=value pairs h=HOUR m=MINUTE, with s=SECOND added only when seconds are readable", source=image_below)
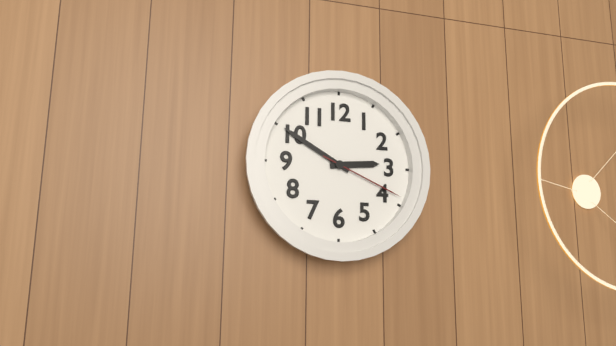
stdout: h=2 m=50 s=19
